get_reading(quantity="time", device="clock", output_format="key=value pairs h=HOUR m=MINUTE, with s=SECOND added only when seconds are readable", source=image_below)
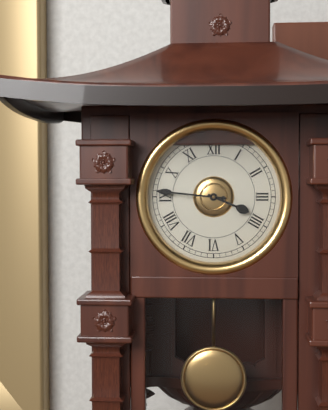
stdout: h=3 m=46
